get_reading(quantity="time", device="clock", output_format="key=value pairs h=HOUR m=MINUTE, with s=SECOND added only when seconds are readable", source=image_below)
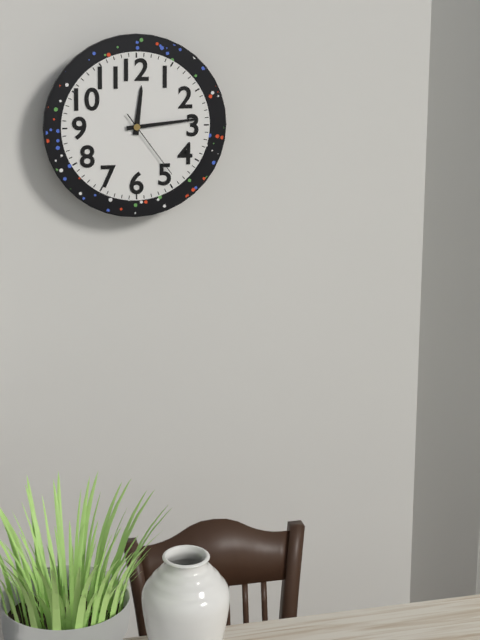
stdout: h=12 m=14 s=24
